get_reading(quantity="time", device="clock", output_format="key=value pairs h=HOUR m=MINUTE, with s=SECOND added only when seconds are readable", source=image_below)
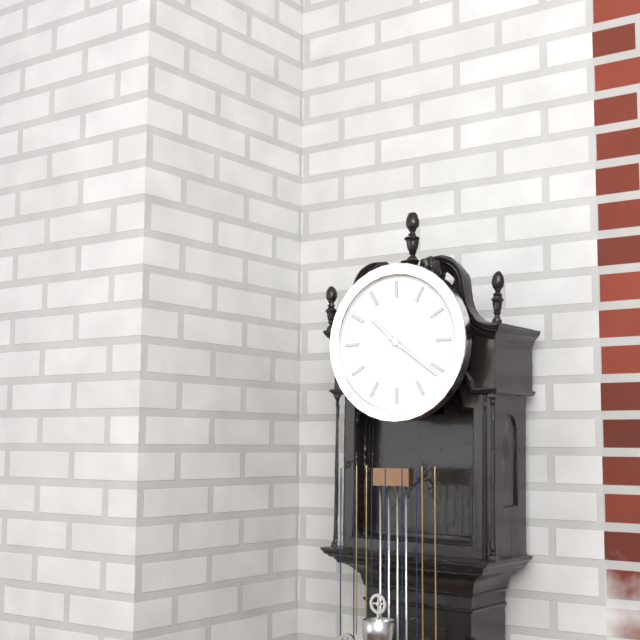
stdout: h=10 m=21
